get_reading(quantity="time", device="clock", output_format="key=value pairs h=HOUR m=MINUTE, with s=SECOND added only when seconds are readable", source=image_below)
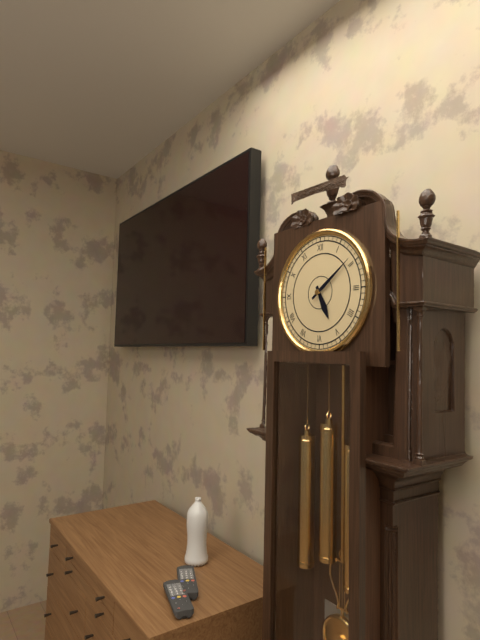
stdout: h=5 m=9
